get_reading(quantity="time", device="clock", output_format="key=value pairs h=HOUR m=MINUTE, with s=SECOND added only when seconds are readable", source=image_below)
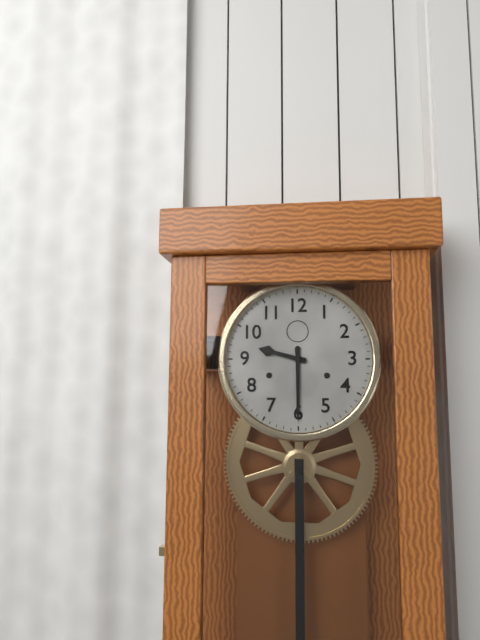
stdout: h=9 m=30
